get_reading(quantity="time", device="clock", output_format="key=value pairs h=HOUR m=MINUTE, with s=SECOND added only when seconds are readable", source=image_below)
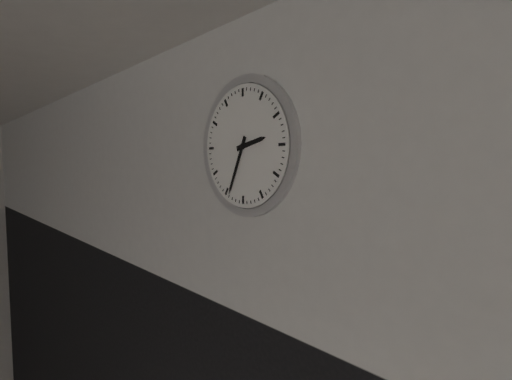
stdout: h=2 m=34
